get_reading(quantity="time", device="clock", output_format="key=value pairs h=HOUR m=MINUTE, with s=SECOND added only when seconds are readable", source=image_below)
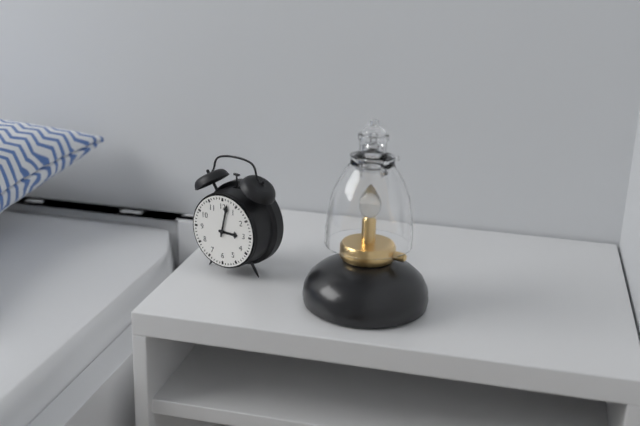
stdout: h=3 m=2
